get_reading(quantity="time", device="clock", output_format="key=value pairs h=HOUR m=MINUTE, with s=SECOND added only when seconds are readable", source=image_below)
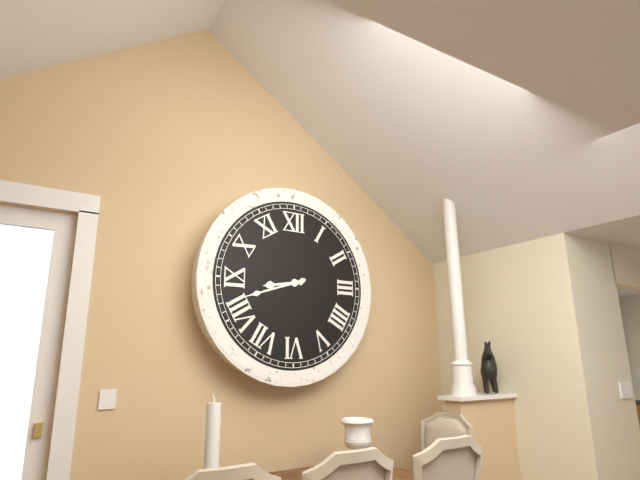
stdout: h=8 m=42
